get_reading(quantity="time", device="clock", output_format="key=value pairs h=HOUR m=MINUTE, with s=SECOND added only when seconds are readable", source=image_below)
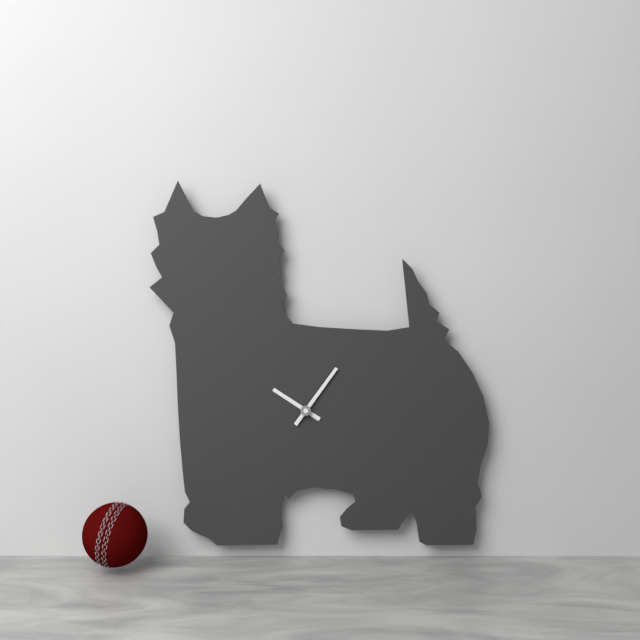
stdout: h=10 m=6
